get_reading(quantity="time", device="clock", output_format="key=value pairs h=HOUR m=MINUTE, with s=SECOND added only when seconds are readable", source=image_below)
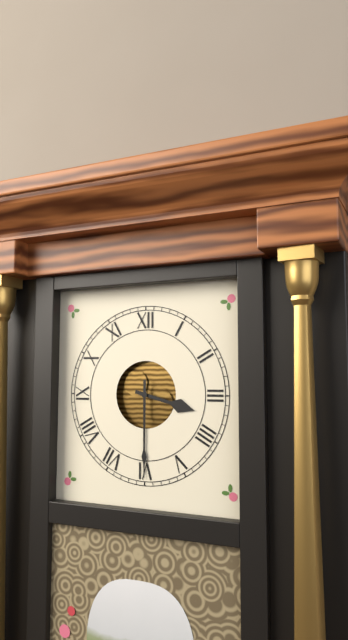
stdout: h=3 m=30
